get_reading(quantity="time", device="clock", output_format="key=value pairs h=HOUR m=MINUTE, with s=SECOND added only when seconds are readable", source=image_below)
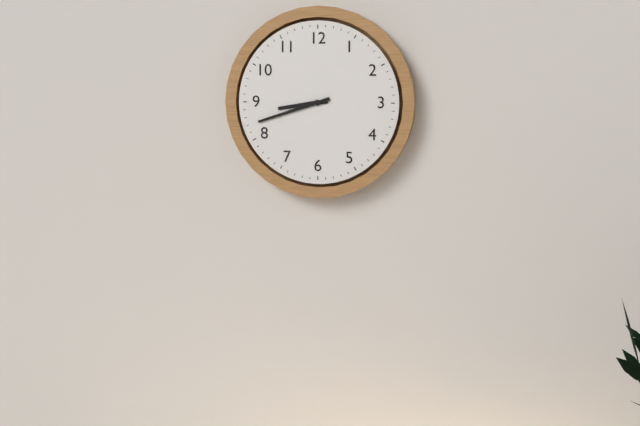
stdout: h=8 m=42
